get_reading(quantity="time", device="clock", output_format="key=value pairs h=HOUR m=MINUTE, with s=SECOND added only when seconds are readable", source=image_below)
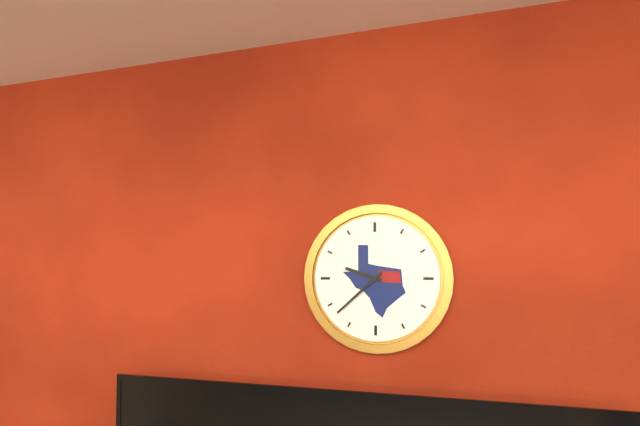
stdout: h=9 m=38
